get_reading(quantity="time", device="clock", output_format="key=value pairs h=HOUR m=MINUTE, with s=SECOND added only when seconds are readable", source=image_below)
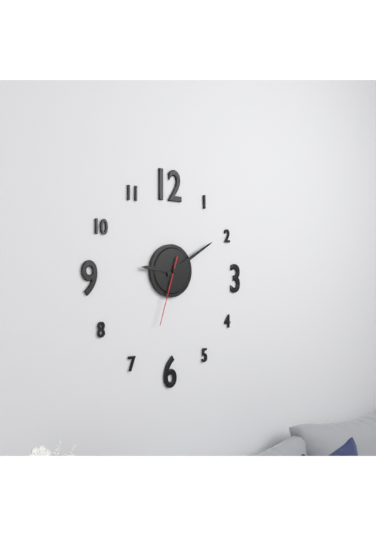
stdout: h=9 m=10 s=33
